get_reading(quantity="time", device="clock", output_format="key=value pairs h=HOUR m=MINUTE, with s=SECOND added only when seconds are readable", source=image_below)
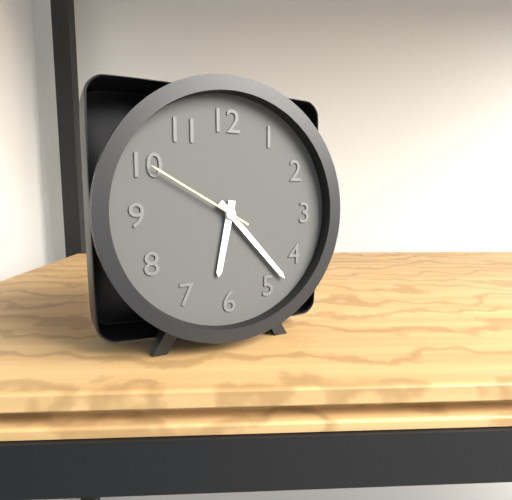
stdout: h=6 m=23 s=50
